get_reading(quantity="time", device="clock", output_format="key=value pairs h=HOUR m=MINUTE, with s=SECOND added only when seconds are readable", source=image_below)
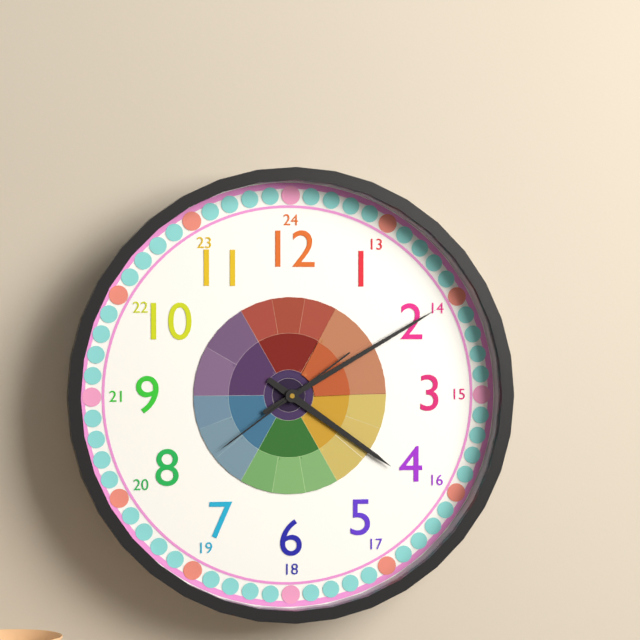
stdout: h=4 m=10 s=39
